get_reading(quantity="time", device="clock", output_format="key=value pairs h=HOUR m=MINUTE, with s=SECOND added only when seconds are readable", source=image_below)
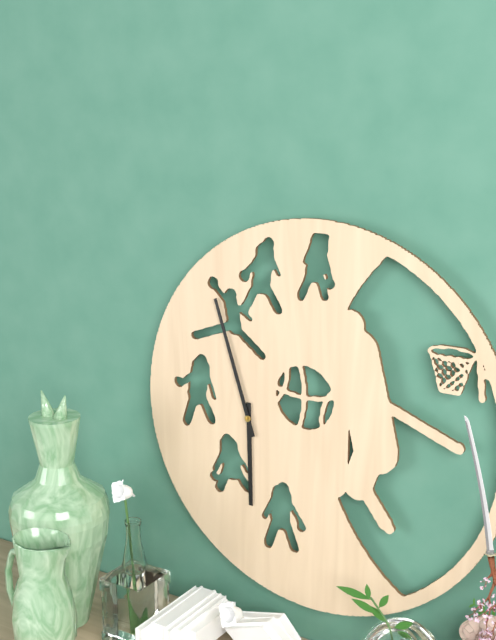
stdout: h=5 m=57
